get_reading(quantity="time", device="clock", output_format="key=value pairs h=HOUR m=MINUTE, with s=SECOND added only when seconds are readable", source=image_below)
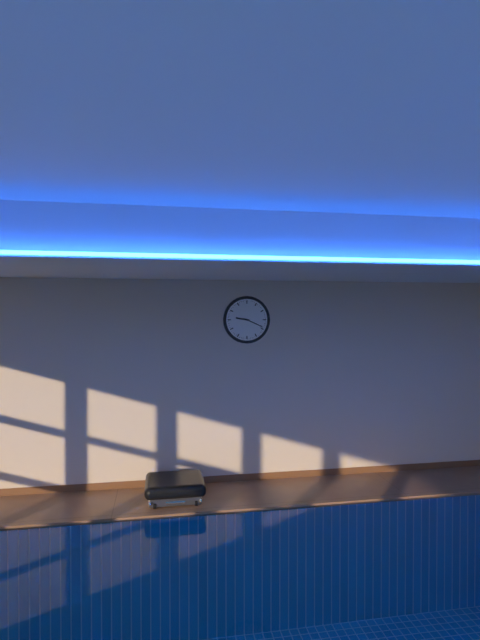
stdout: h=9 m=19
